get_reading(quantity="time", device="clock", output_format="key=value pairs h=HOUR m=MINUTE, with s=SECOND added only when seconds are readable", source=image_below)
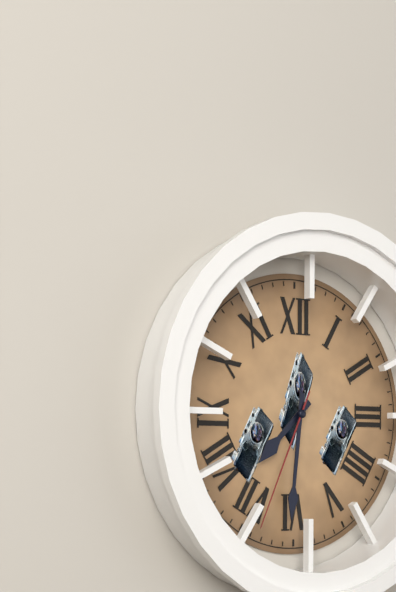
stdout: h=7 m=31 s=34
